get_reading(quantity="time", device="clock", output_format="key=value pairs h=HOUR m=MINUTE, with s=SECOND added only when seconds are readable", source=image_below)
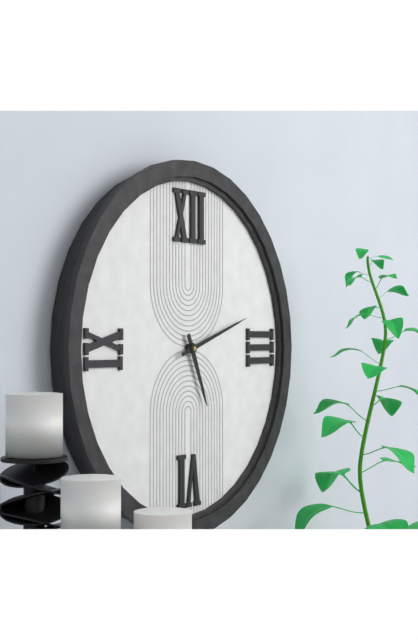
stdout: h=5 m=12
